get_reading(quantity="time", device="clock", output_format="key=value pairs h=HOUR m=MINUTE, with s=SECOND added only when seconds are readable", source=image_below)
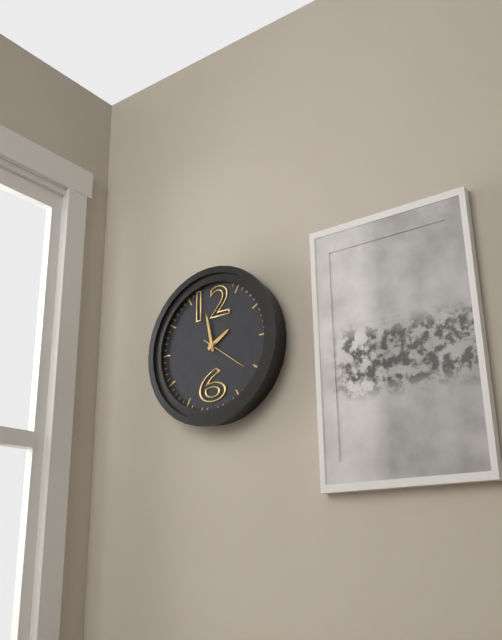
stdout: h=1 m=58
